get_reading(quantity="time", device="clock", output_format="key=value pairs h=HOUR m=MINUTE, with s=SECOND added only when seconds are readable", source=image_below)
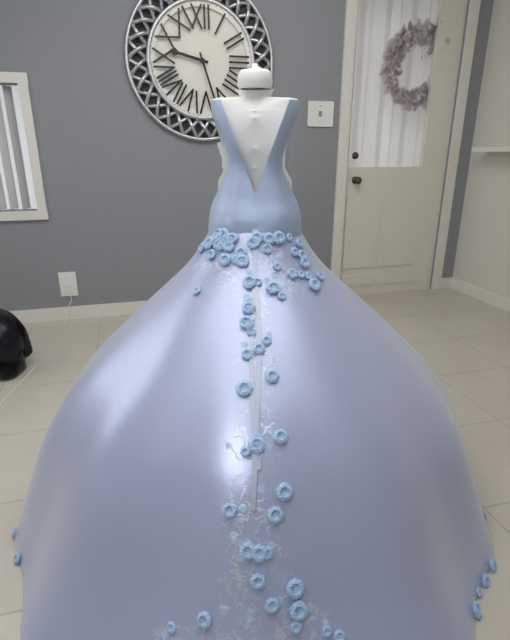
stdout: h=9 m=27
